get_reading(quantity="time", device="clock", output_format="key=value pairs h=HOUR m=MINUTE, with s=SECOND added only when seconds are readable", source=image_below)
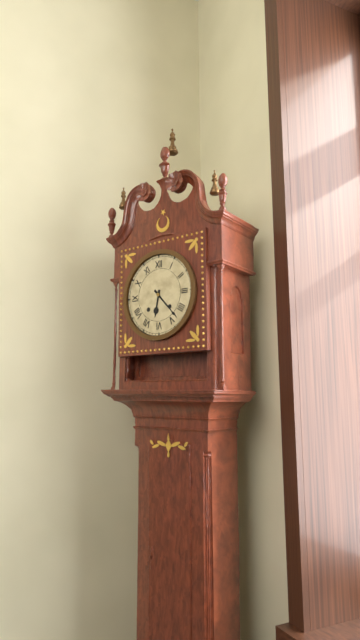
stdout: h=6 m=23
